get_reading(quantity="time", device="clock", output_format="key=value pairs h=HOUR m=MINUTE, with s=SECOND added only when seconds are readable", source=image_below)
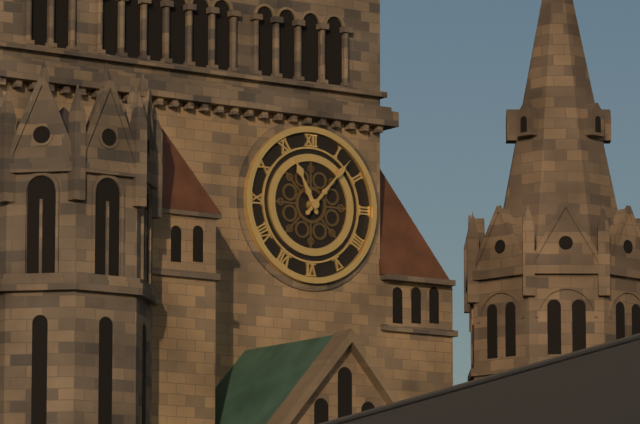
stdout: h=11 m=7
